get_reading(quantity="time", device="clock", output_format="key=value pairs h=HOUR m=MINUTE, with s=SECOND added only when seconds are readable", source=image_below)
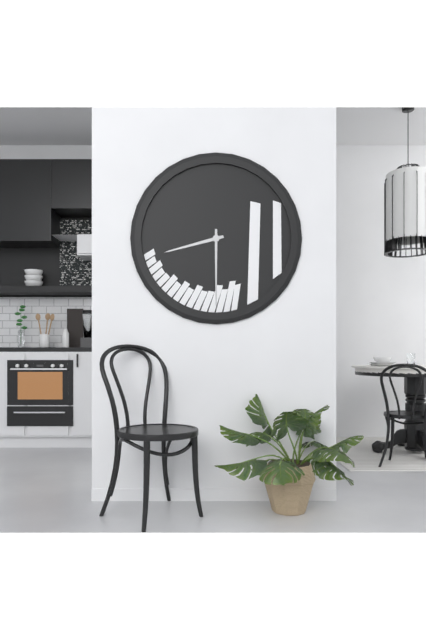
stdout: h=8 m=30
